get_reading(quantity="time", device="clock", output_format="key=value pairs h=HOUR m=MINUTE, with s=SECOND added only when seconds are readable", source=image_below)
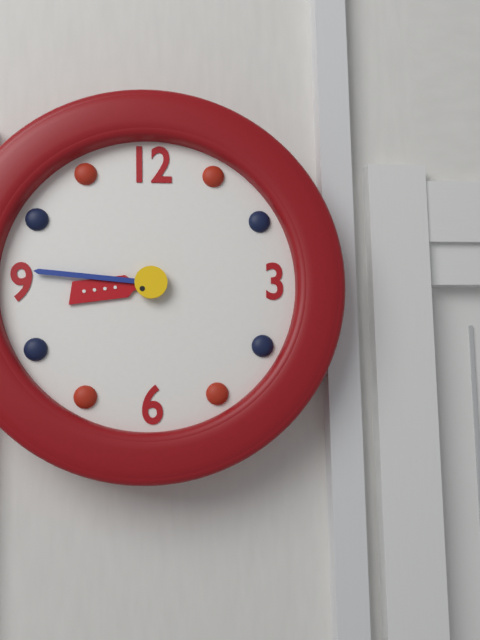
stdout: h=8 m=46
